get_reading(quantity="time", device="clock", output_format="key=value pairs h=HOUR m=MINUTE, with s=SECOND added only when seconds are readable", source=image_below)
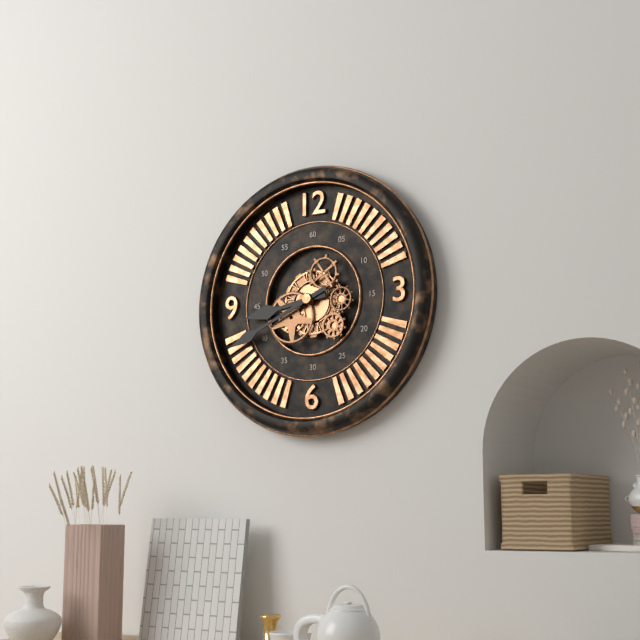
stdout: h=8 m=41
